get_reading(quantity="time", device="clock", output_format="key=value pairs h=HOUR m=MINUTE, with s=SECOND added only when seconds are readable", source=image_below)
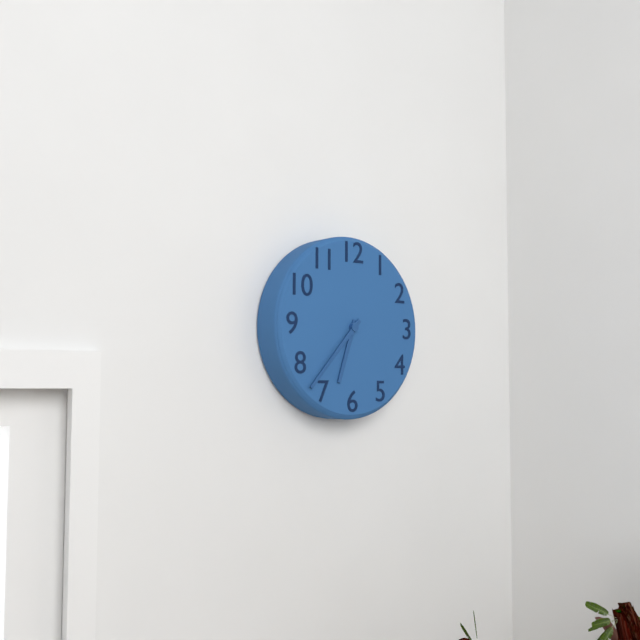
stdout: h=6 m=37
